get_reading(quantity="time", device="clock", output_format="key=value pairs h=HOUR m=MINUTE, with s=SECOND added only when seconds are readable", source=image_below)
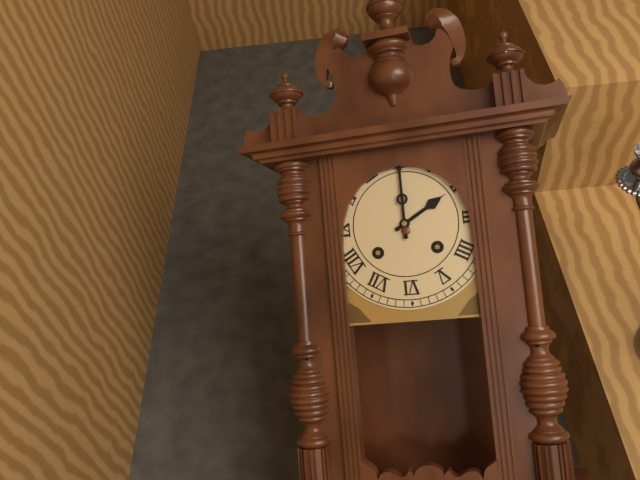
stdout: h=2 m=0
